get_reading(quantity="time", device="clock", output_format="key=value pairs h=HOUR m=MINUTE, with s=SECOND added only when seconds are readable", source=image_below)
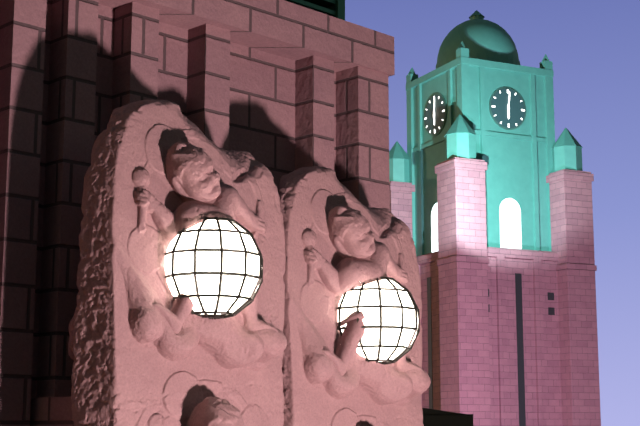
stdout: h=6 m=1
